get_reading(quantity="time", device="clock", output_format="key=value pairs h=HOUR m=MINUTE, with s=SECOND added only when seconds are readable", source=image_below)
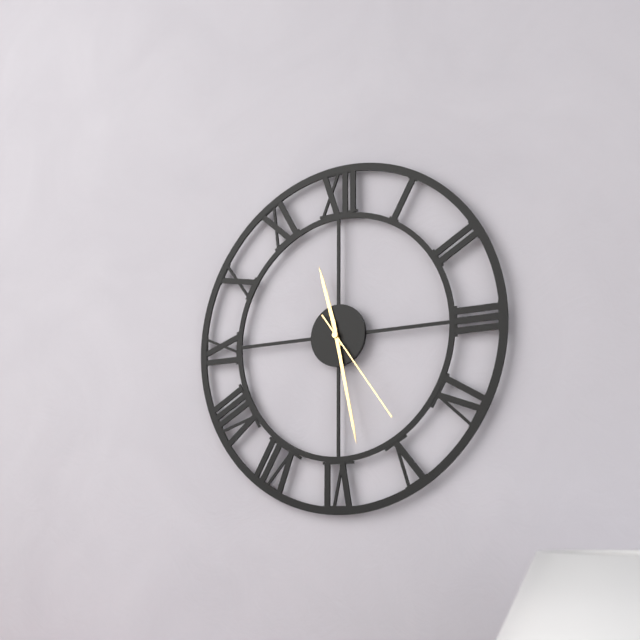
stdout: h=11 m=28 s=24
